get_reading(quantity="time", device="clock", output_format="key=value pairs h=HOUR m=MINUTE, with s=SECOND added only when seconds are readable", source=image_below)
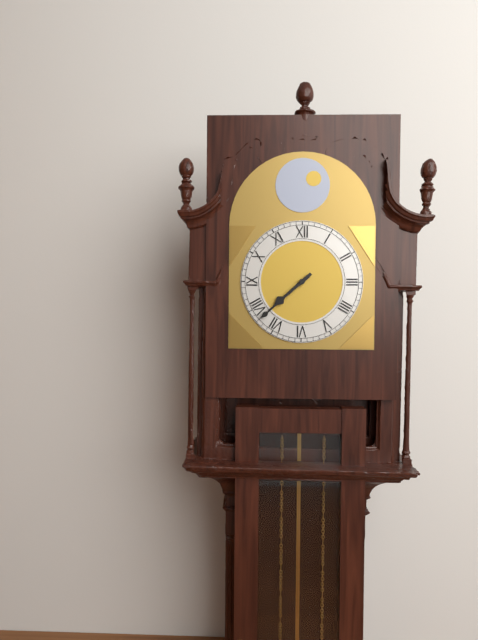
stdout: h=7 m=38
